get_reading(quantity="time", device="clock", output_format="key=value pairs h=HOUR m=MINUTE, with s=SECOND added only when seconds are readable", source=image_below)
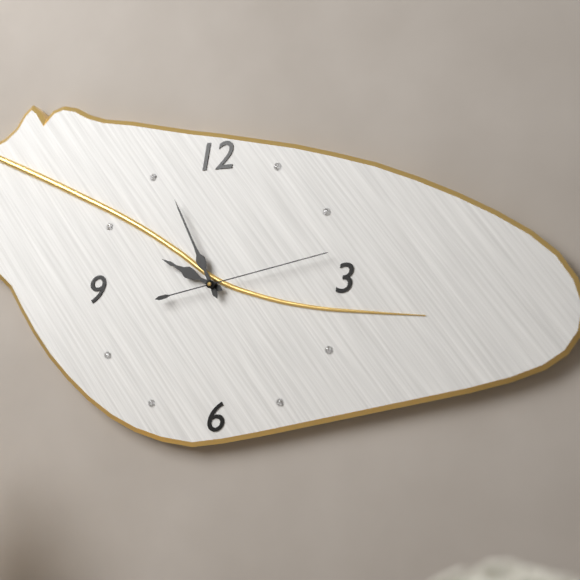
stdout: h=9 m=56 s=13
